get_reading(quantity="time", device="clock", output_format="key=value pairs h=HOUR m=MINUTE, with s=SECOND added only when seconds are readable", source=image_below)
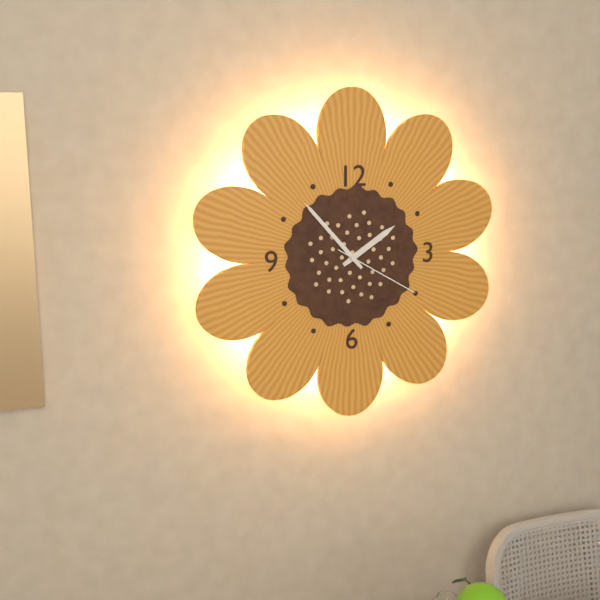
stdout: h=1 m=53 s=20
